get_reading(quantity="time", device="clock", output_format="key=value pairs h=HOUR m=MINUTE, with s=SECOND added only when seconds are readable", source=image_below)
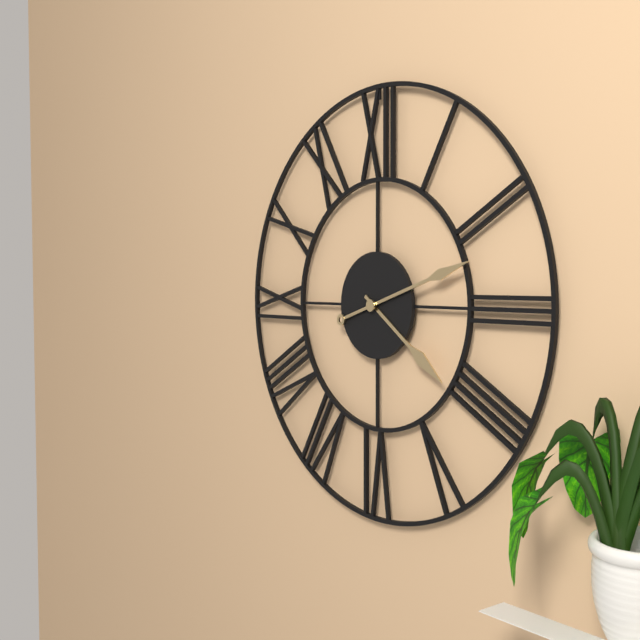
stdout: h=4 m=12
